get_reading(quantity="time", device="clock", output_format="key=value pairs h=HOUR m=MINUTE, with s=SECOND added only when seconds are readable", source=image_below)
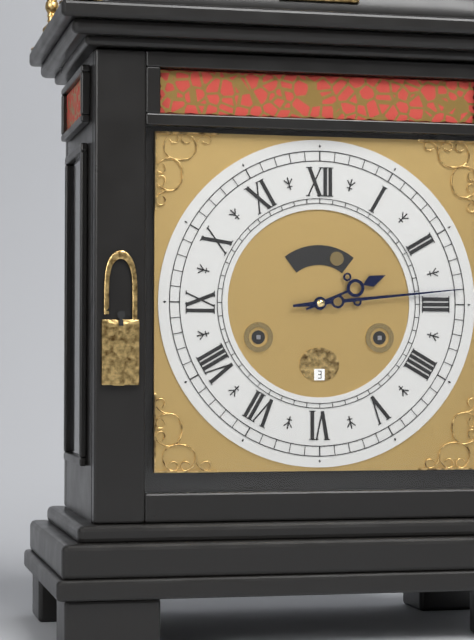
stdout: h=2 m=14
